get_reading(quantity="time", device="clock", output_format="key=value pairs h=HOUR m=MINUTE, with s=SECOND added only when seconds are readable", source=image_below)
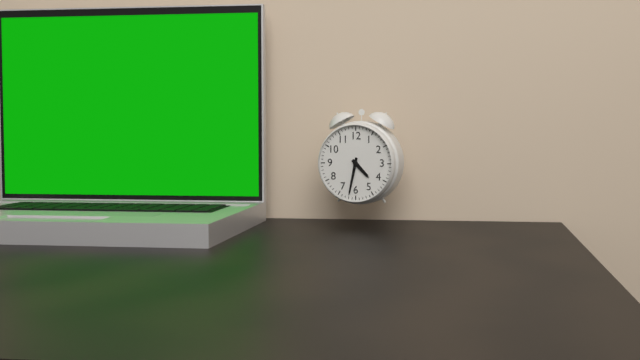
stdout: h=4 m=32
